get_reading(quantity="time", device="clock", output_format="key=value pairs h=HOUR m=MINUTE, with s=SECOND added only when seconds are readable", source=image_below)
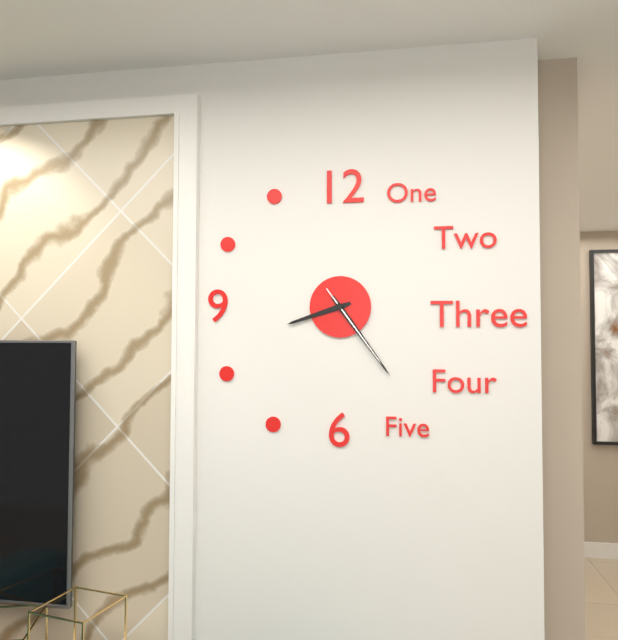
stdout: h=8 m=24 s=24
